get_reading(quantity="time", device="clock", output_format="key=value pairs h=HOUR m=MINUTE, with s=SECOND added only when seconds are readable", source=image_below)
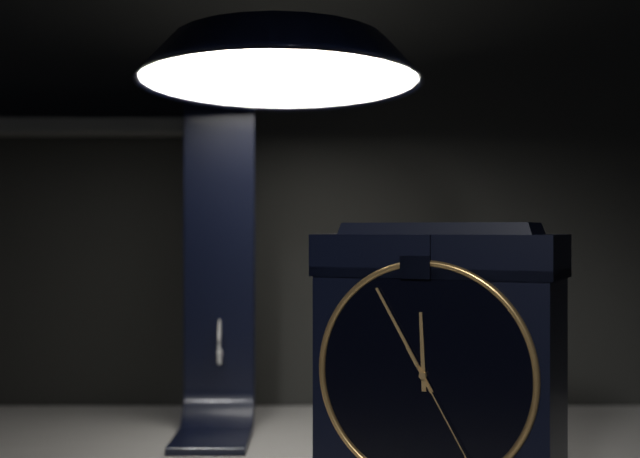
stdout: h=11 m=55
